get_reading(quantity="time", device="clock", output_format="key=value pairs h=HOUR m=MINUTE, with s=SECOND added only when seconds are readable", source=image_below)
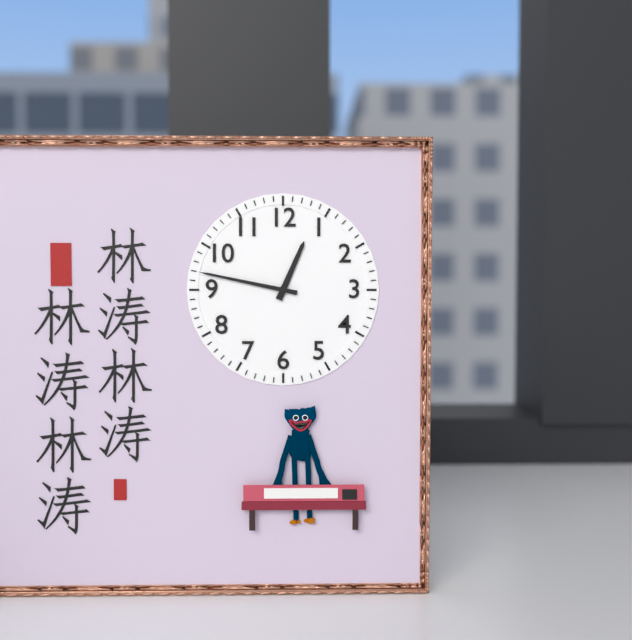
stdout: h=12 m=47
